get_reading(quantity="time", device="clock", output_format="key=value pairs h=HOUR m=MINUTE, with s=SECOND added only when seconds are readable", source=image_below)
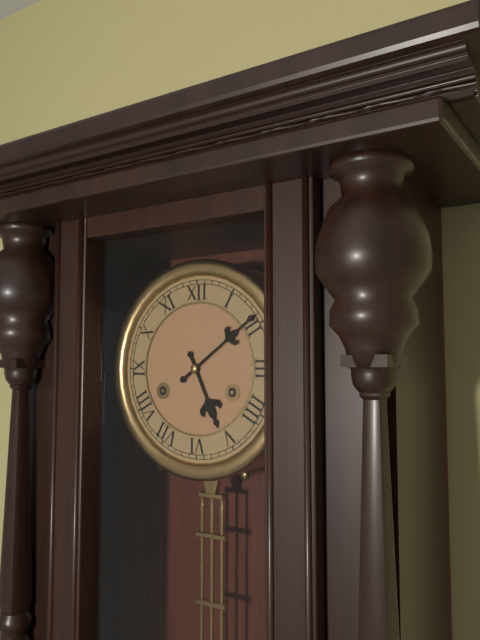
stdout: h=5 m=9
